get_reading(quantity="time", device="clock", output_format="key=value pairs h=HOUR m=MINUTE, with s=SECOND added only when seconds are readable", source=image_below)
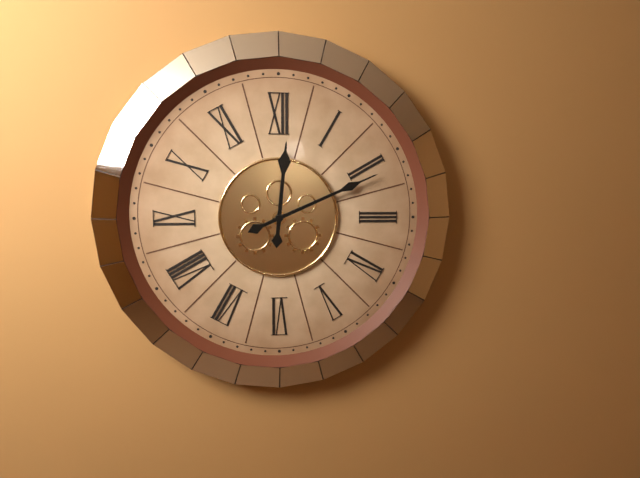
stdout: h=12 m=11
